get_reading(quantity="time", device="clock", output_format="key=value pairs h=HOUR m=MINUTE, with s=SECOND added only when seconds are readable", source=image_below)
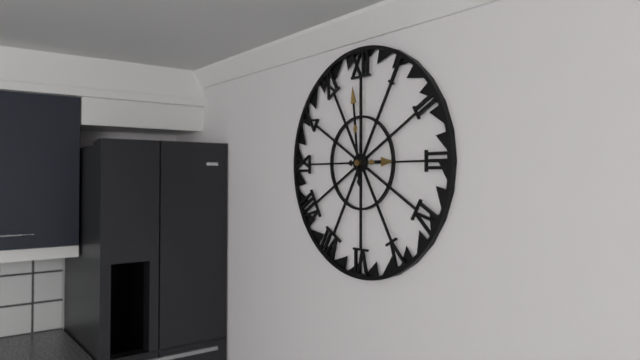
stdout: h=2 m=59
